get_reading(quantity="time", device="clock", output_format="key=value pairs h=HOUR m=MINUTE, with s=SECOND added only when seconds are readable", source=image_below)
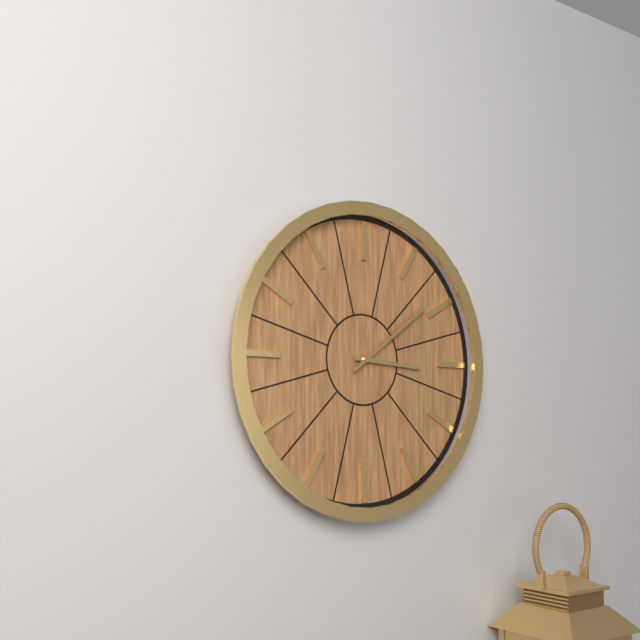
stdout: h=3 m=9
